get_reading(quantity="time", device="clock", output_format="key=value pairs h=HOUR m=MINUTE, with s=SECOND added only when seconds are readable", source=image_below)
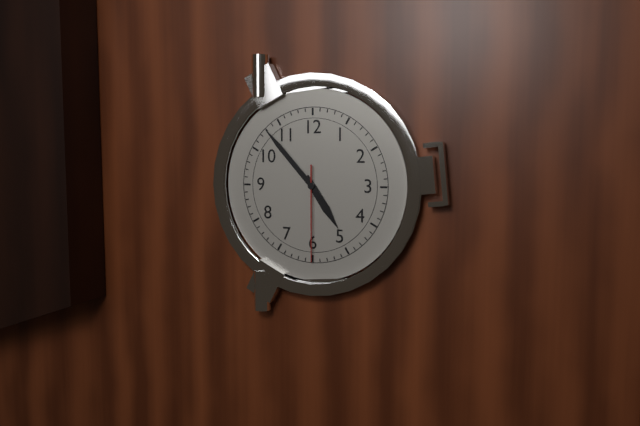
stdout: h=4 m=53 s=30
